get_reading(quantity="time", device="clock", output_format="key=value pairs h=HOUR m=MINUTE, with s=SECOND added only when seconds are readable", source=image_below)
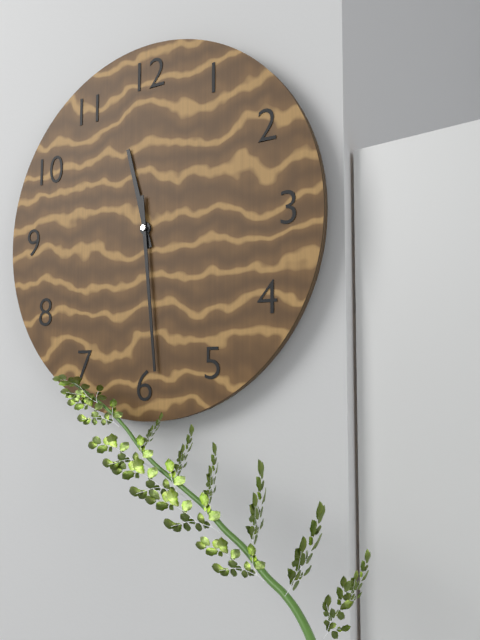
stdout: h=11 m=29
